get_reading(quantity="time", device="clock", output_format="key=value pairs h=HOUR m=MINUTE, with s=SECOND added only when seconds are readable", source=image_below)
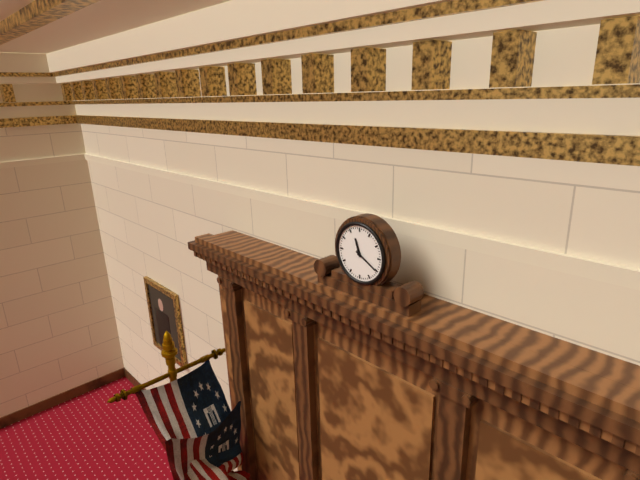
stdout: h=11 m=20
